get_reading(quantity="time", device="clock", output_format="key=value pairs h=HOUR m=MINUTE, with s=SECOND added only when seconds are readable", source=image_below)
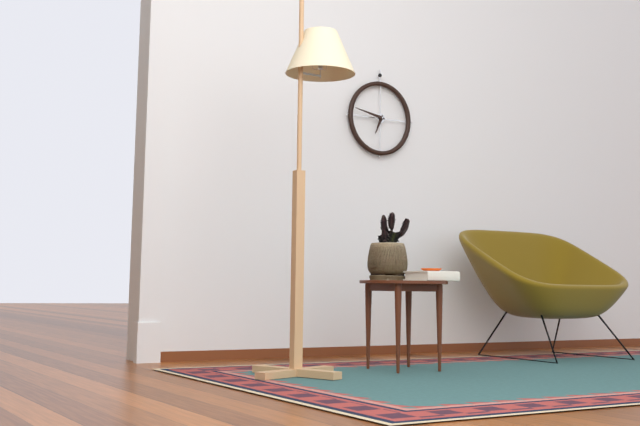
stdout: h=6 m=47
